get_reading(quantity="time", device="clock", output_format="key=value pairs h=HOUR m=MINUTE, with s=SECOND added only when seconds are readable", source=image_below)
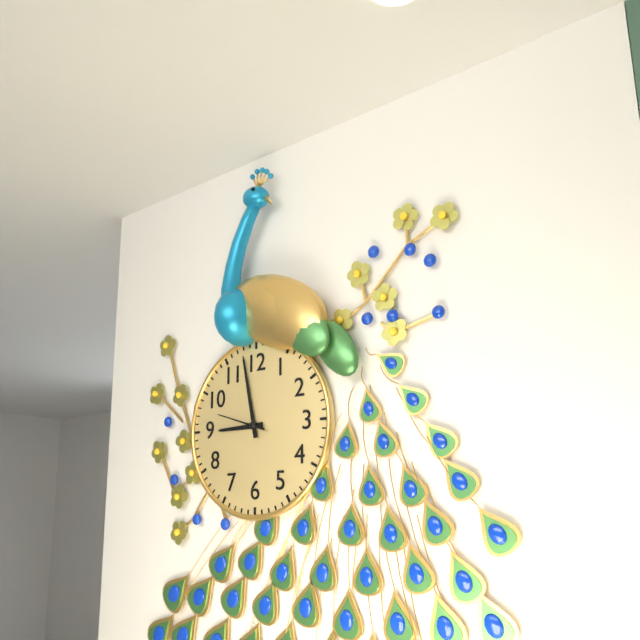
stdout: h=8 m=58
